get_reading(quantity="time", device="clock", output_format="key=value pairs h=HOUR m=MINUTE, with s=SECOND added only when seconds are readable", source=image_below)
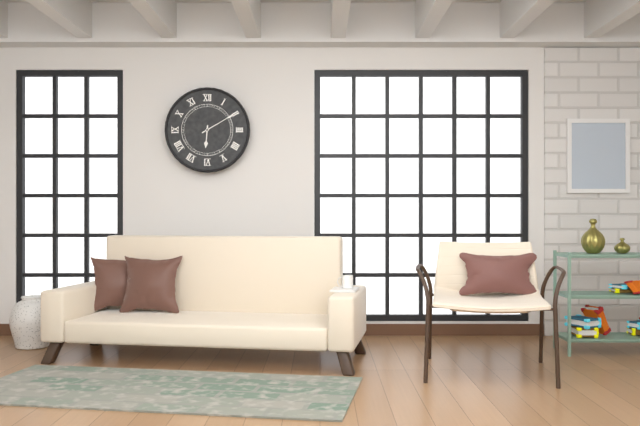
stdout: h=6 m=10
